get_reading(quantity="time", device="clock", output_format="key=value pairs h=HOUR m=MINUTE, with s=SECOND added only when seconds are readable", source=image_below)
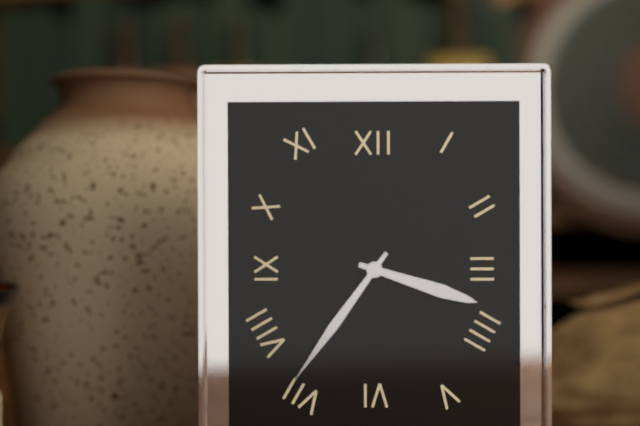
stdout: h=3 m=36
